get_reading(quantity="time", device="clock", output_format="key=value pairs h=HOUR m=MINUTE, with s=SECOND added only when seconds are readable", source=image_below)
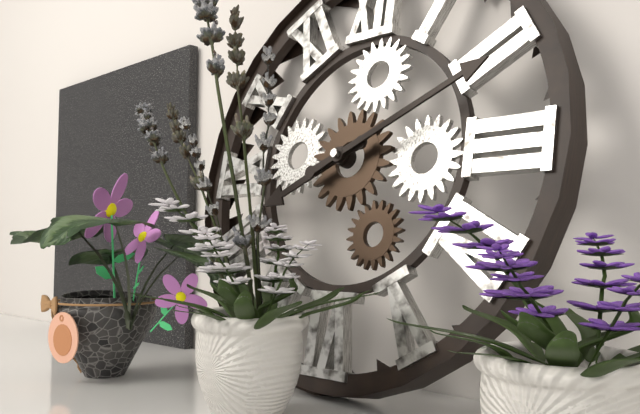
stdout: h=8 m=11
